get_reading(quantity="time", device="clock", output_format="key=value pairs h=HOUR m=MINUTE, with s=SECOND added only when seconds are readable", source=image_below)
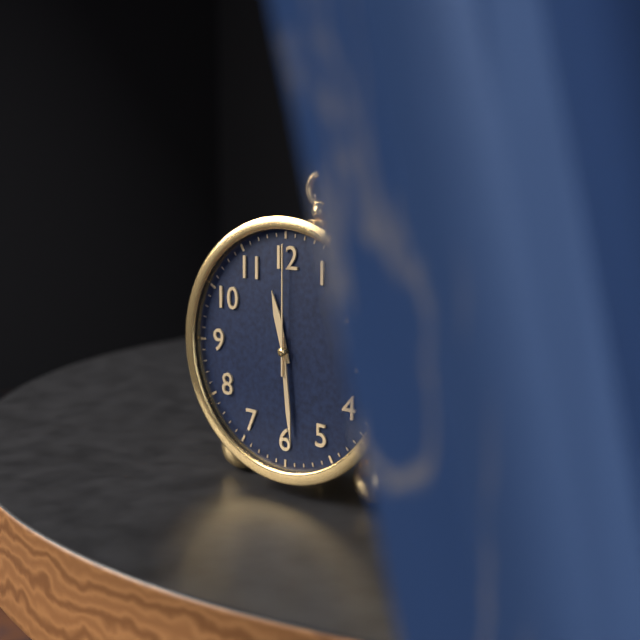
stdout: h=11 m=29 s=0
